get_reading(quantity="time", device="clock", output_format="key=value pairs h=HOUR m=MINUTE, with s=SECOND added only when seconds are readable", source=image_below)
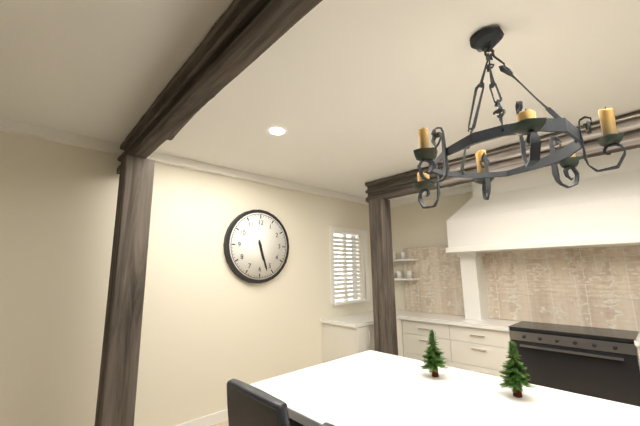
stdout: h=5 m=27
